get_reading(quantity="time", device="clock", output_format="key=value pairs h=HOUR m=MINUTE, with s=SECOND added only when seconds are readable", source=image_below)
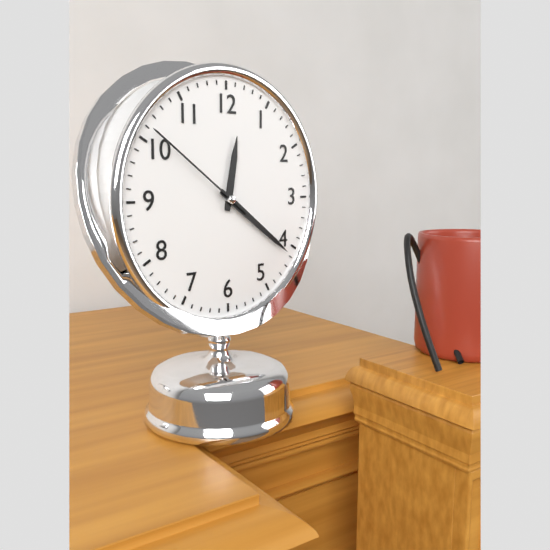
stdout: h=12 m=21 s=51
